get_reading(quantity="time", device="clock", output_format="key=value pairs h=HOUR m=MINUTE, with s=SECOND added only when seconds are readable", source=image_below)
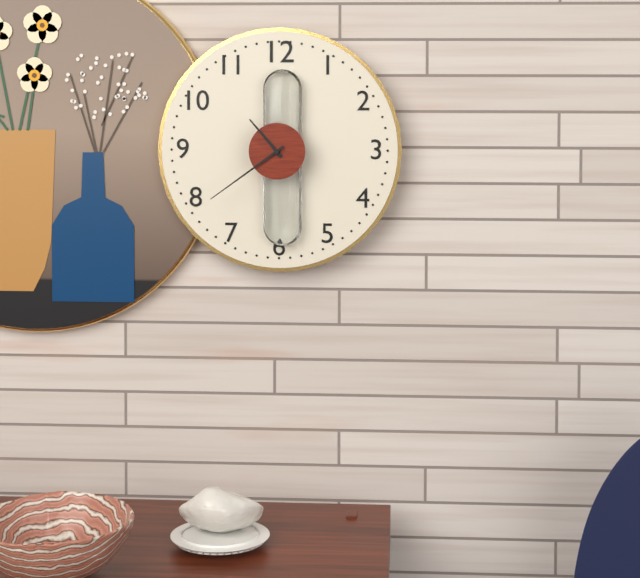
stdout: h=10 m=39
